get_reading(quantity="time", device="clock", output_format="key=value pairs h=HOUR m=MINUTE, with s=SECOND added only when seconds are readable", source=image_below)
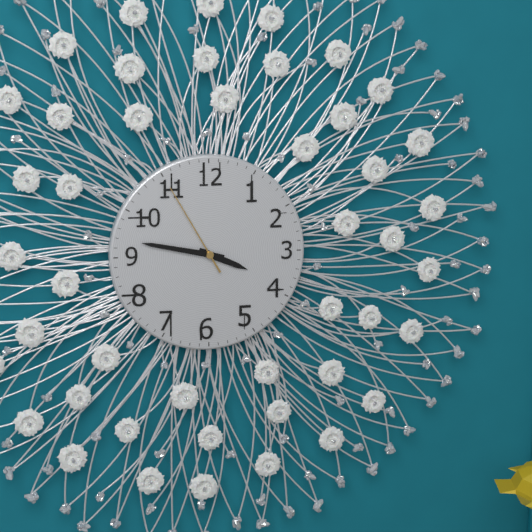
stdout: h=3 m=47 s=55
